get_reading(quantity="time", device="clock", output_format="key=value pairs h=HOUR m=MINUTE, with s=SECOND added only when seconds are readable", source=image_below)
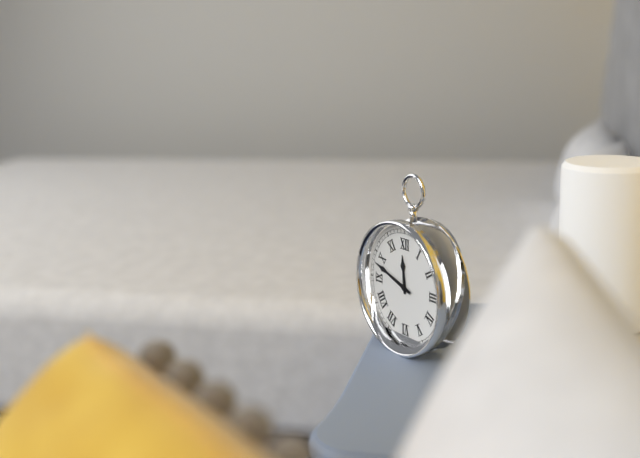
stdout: h=11 m=48
